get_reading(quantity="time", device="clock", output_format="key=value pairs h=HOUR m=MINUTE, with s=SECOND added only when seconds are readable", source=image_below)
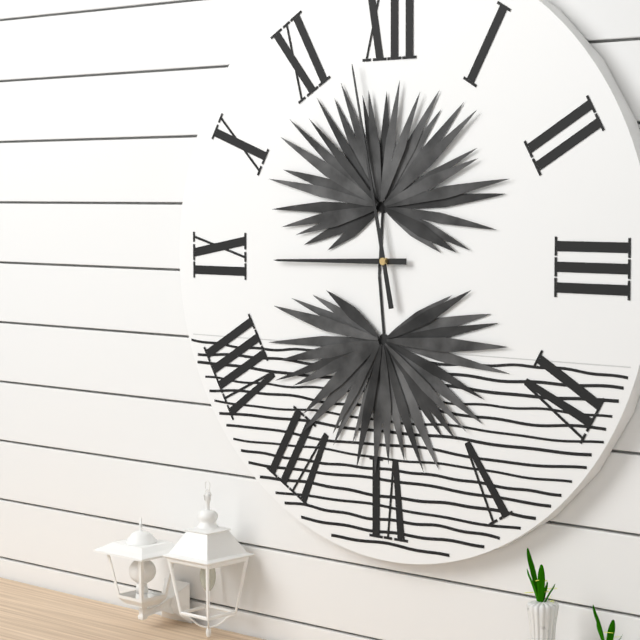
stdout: h=8 m=58
